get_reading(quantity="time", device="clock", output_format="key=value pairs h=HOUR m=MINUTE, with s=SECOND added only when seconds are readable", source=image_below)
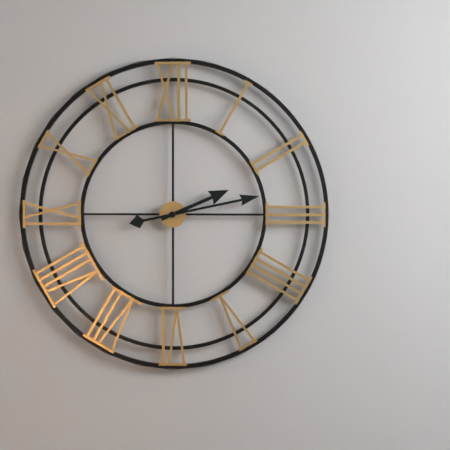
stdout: h=2 m=13
